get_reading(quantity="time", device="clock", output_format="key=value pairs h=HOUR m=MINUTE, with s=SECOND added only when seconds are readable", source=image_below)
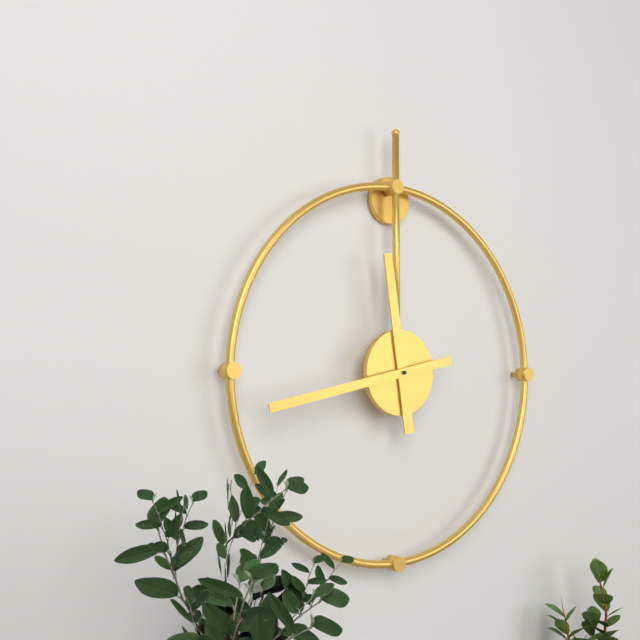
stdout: h=11 m=43
